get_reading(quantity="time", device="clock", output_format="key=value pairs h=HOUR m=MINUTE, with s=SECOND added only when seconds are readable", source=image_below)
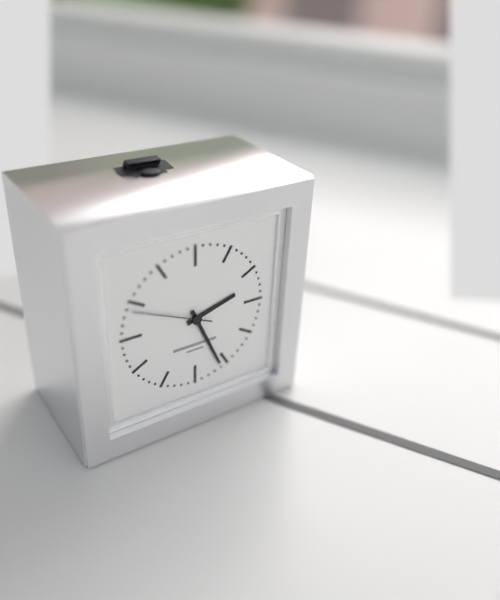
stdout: h=2 m=26 s=49
